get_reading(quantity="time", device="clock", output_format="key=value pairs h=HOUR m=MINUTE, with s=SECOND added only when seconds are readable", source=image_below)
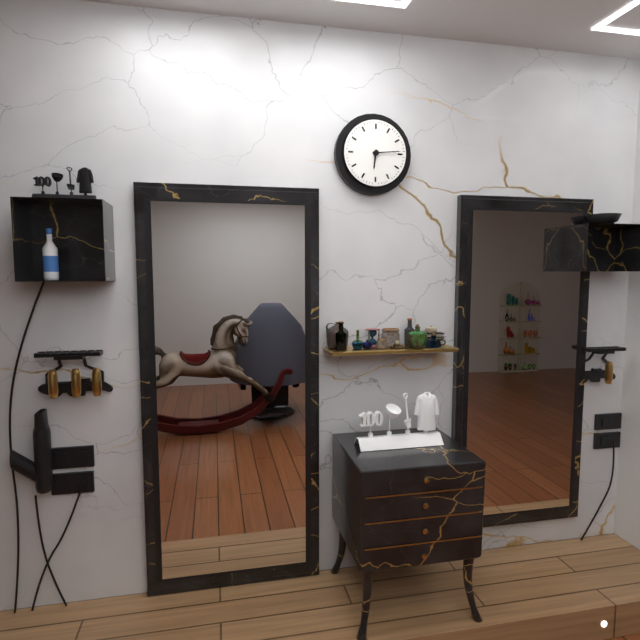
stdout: h=6 m=14
